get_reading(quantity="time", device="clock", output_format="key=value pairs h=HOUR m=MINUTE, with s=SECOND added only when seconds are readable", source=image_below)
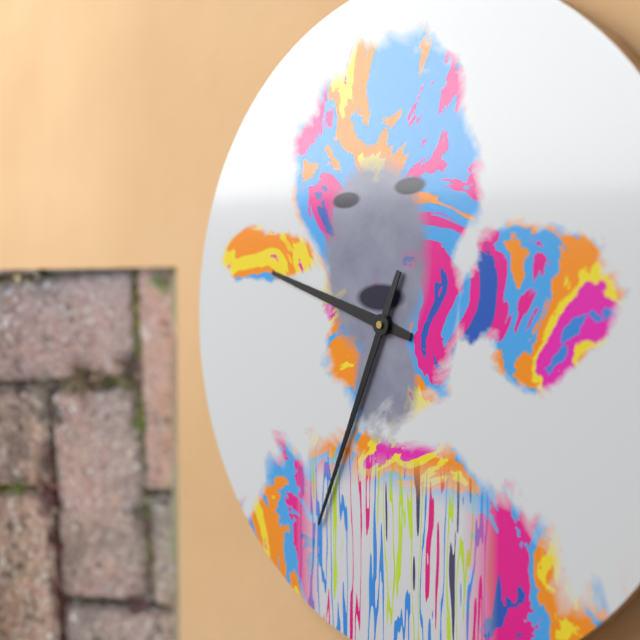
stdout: h=9 m=34
